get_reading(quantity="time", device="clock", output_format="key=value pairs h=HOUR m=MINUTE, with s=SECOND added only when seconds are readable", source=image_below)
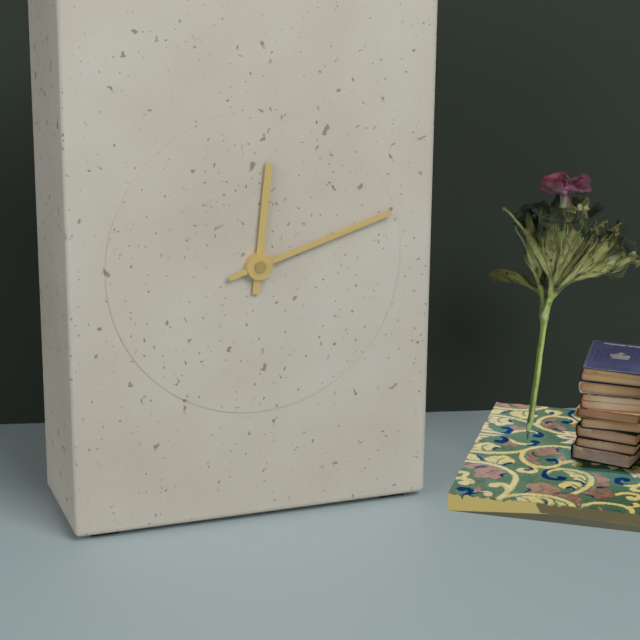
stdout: h=12 m=12
